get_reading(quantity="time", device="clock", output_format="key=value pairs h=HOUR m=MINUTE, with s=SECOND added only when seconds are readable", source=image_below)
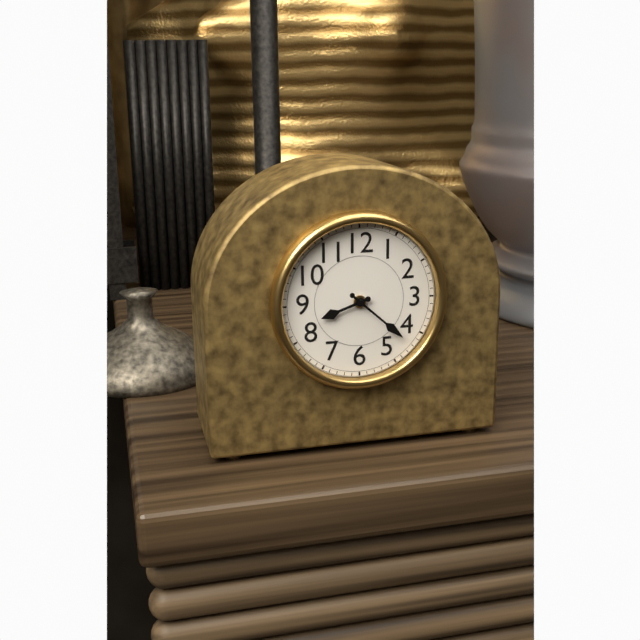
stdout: h=8 m=22
